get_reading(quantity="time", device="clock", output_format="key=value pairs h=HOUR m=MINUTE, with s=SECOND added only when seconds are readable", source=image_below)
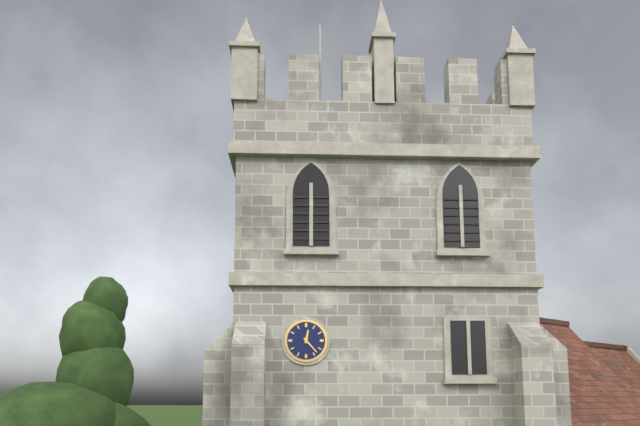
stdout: h=12 m=23
